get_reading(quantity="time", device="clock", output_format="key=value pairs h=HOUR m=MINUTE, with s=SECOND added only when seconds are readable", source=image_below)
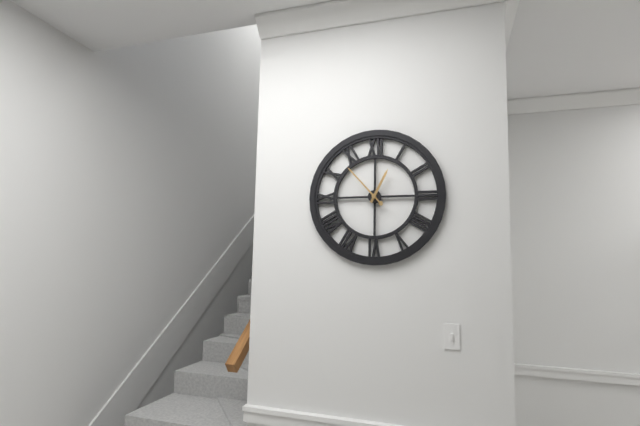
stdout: h=12 m=53
